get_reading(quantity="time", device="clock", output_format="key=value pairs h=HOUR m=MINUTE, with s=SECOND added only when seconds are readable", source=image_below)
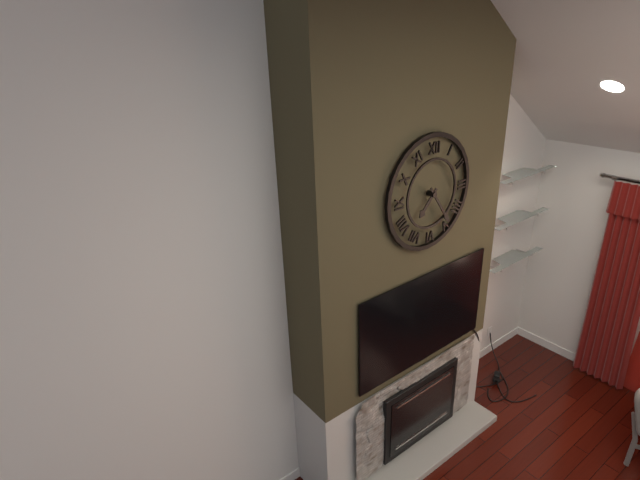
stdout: h=7 m=24
